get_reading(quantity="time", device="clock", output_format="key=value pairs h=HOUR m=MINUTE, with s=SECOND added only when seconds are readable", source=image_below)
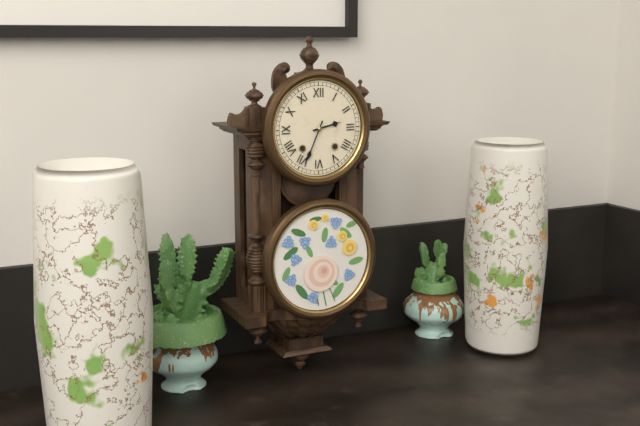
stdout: h=2 m=34
